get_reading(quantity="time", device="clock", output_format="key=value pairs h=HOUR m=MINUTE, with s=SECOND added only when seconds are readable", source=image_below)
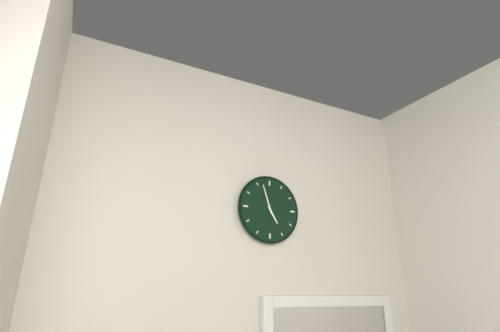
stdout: h=4 m=57
